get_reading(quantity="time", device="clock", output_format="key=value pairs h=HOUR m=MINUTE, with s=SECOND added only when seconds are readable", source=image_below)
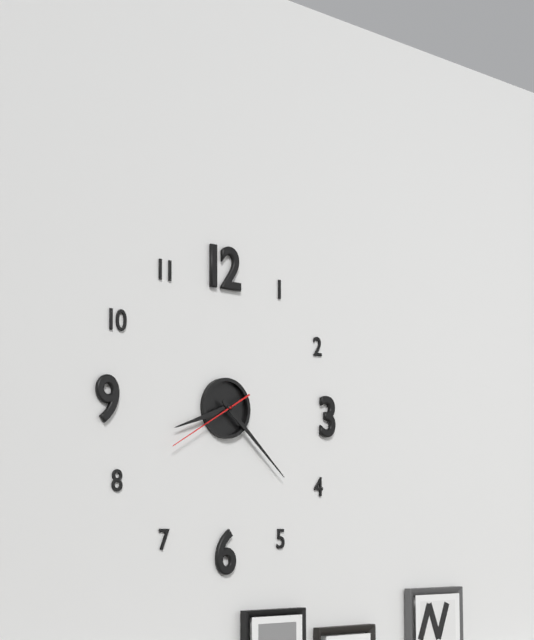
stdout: h=8 m=22 s=40
